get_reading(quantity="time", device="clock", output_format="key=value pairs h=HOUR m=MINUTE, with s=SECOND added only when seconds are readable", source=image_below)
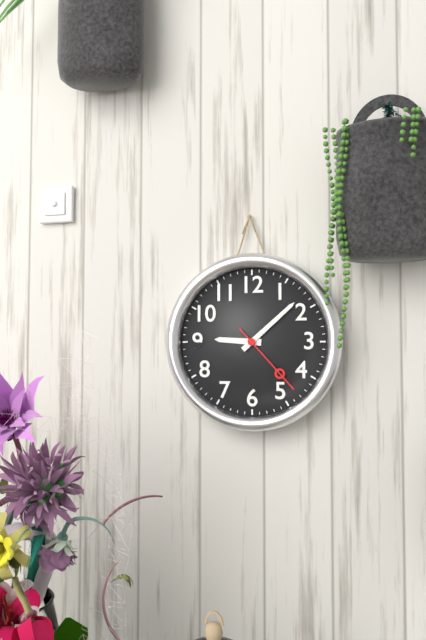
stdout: h=9 m=8 s=23
